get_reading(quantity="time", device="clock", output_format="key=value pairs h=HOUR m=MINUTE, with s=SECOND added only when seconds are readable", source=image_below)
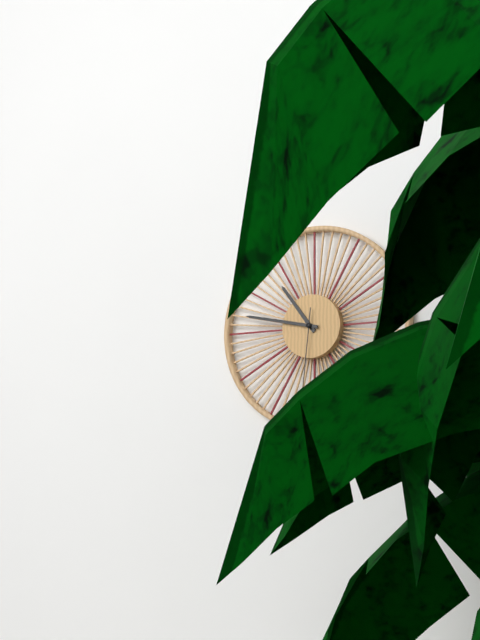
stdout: h=10 m=47 s=31
